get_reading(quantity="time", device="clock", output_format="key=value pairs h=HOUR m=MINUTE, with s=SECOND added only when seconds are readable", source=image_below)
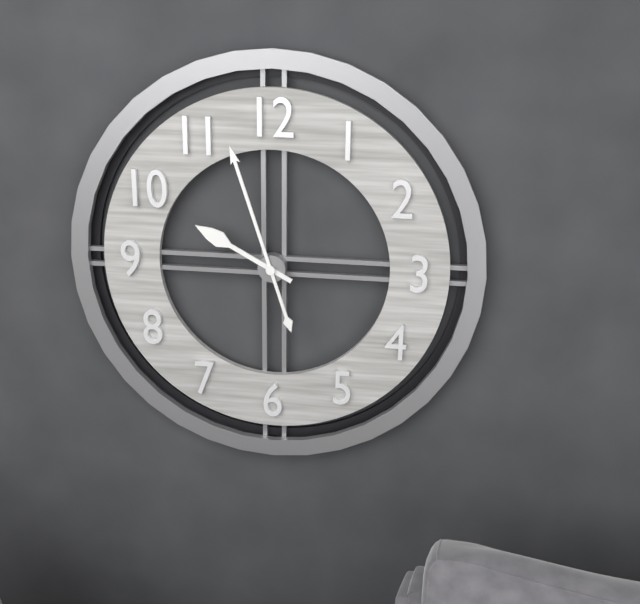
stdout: h=9 m=57
